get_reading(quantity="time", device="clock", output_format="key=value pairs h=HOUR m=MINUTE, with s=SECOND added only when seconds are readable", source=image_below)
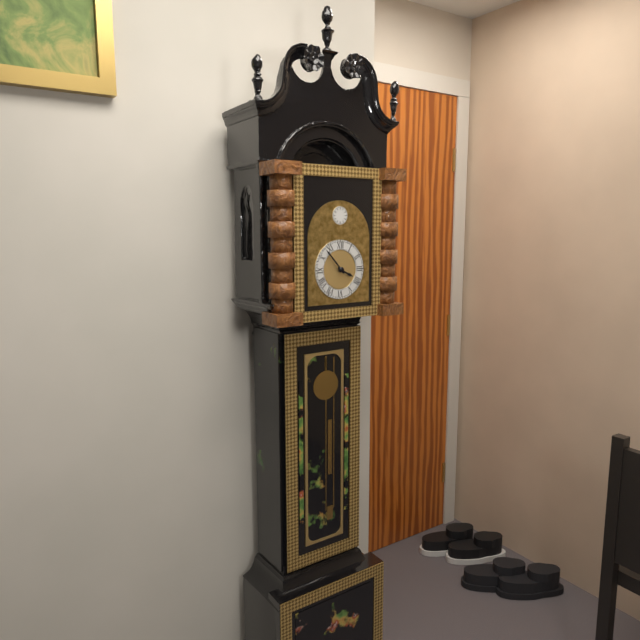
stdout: h=3 m=53
